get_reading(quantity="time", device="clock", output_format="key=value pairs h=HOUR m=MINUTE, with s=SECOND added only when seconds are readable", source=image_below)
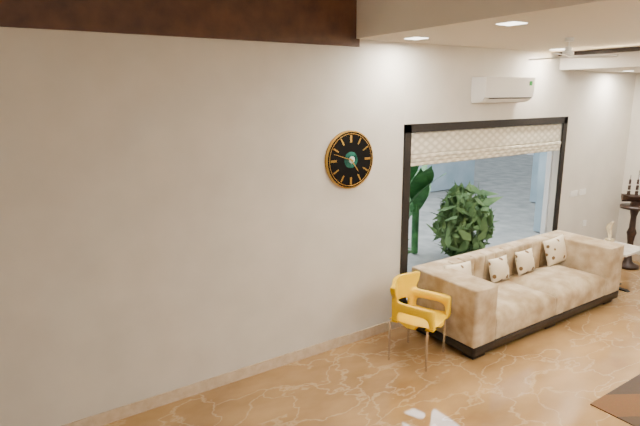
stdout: h=4 m=48
